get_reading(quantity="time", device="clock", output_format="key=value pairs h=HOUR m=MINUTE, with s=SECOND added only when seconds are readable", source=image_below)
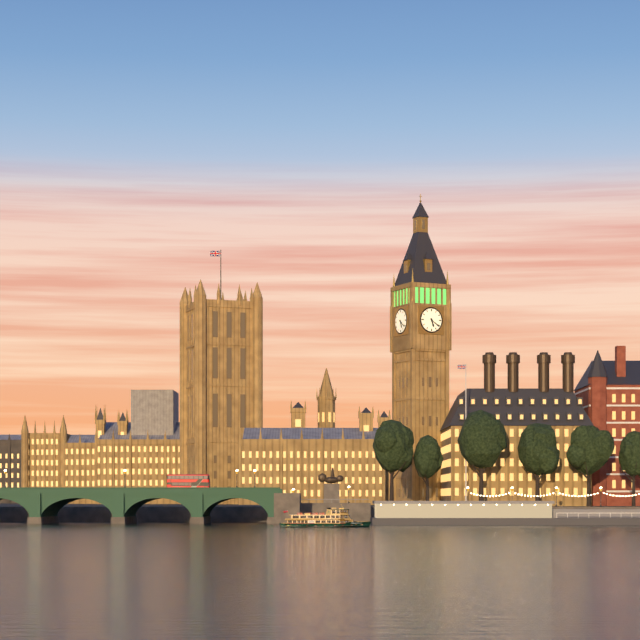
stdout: h=5 m=21
